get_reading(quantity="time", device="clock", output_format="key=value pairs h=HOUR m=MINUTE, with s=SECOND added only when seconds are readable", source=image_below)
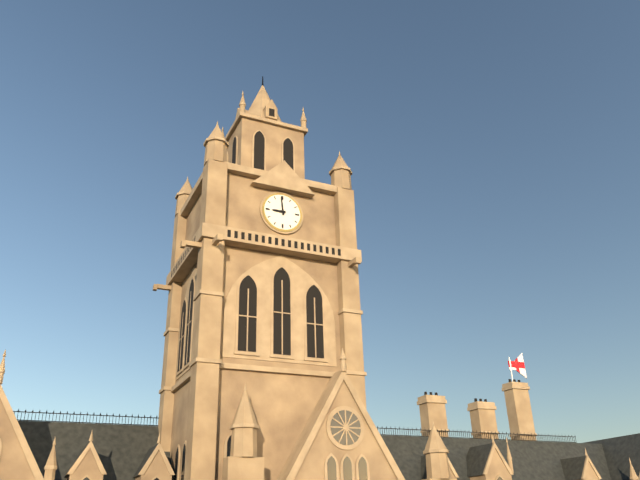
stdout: h=8 m=59
